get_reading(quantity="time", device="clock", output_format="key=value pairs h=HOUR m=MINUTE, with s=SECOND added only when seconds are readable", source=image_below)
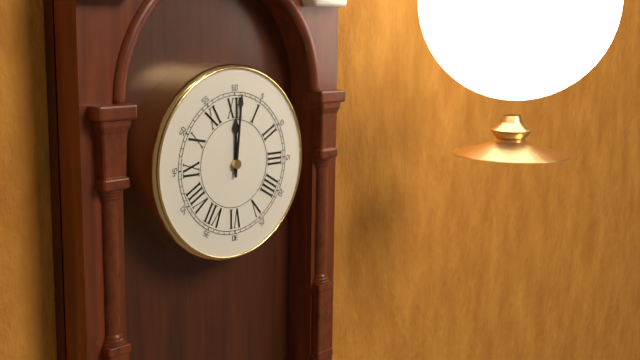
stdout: h=12 m=1
